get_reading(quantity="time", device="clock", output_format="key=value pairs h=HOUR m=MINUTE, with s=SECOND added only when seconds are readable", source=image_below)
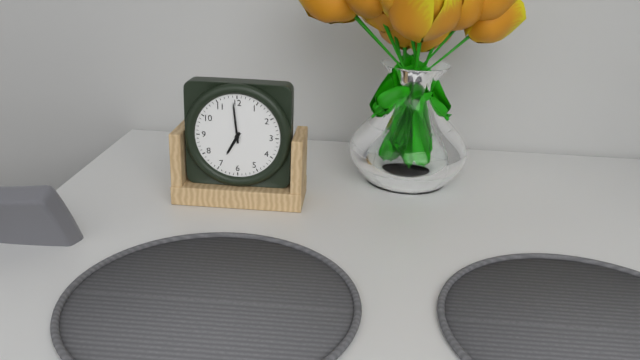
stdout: h=6 m=59
